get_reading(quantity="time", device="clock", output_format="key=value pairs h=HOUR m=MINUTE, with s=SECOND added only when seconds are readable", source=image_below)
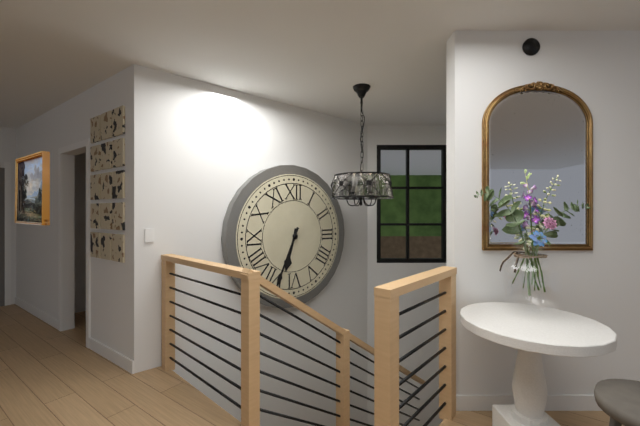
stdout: h=6 m=34
